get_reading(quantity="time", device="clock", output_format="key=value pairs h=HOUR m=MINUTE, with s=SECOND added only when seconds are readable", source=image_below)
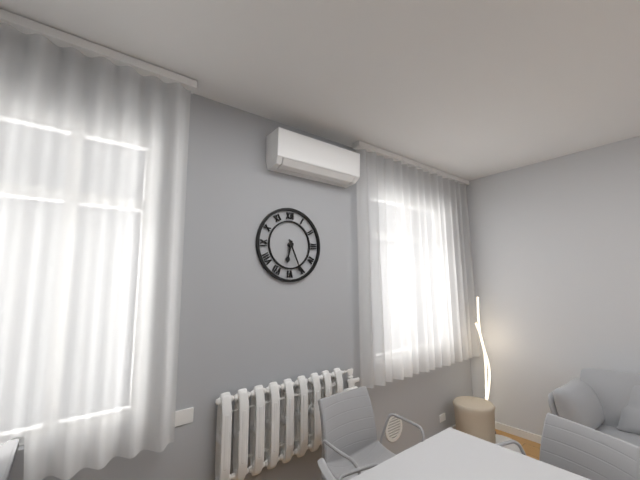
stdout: h=6 m=26
